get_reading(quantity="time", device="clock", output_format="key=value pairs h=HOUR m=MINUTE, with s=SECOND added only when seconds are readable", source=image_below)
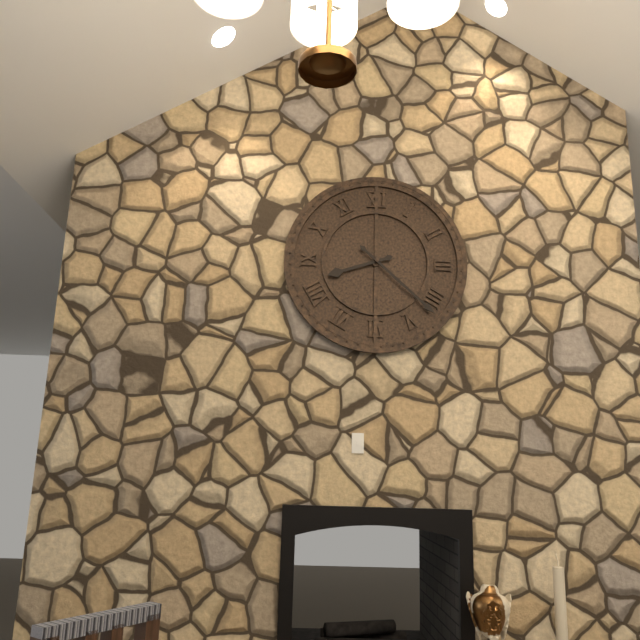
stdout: h=8 m=22
